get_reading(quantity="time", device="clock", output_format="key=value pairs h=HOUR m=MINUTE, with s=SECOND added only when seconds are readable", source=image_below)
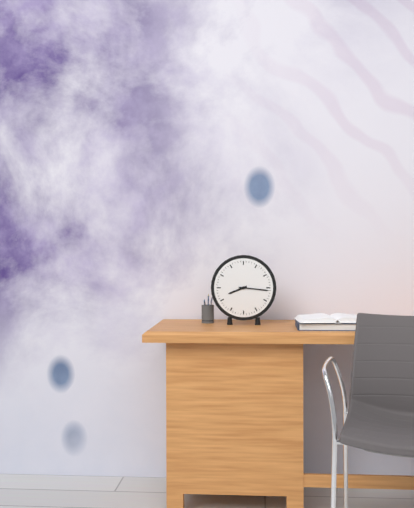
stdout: h=8 m=16
